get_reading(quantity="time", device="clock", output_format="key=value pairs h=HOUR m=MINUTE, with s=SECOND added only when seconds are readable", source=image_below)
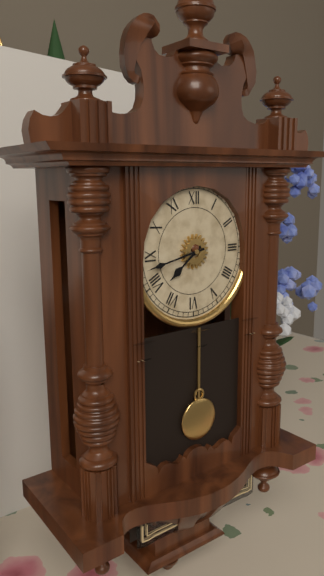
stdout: h=7 m=43
